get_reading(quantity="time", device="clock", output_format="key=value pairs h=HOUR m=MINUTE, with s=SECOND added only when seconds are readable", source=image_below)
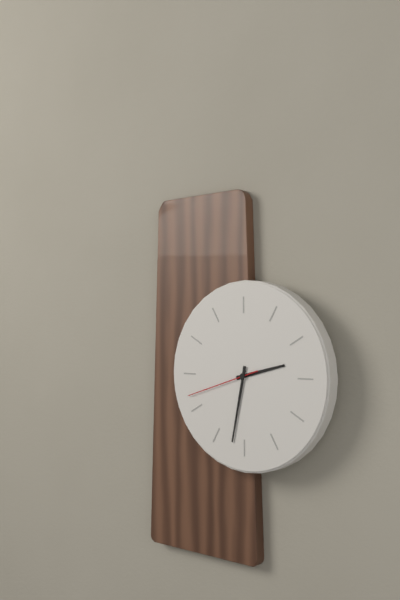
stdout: h=2 m=32 s=42
